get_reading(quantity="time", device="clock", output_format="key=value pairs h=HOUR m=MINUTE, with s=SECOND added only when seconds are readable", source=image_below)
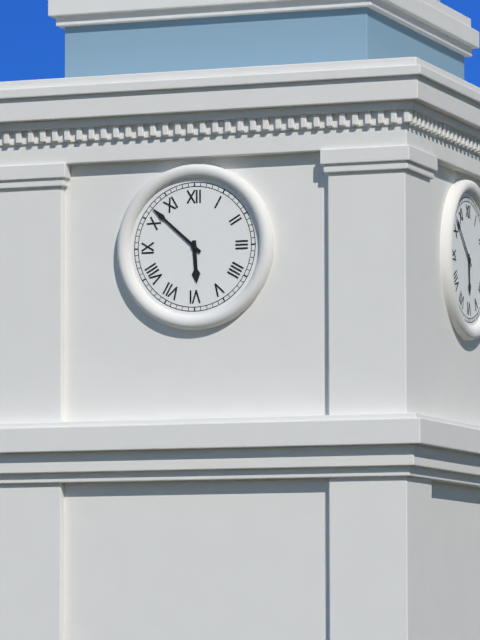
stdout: h=5 m=52
